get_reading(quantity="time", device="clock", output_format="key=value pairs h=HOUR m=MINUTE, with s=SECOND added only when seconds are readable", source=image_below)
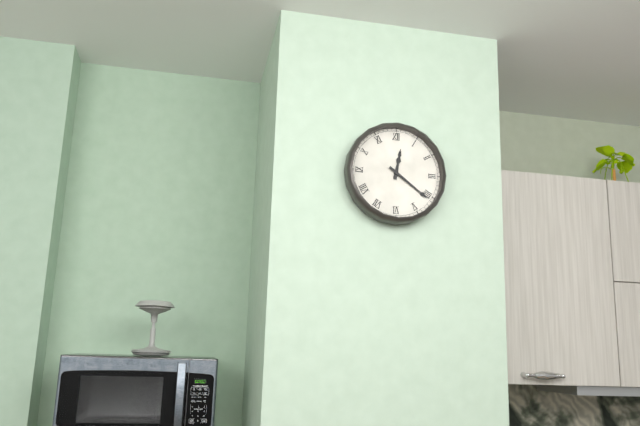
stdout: h=12 m=21
